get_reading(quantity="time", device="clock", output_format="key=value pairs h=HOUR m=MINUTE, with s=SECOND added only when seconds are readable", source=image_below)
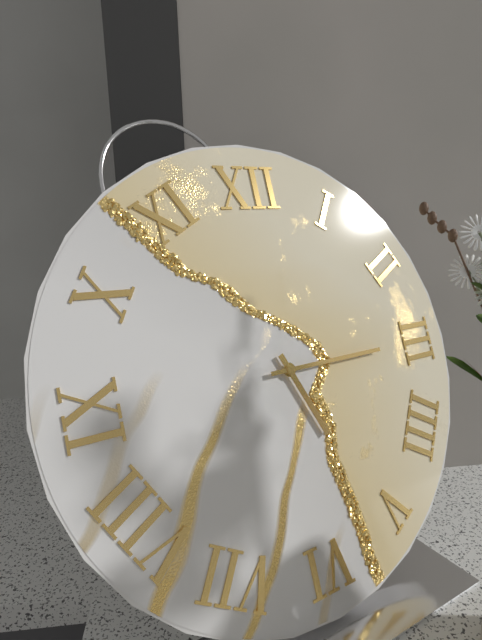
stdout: h=5 m=15
